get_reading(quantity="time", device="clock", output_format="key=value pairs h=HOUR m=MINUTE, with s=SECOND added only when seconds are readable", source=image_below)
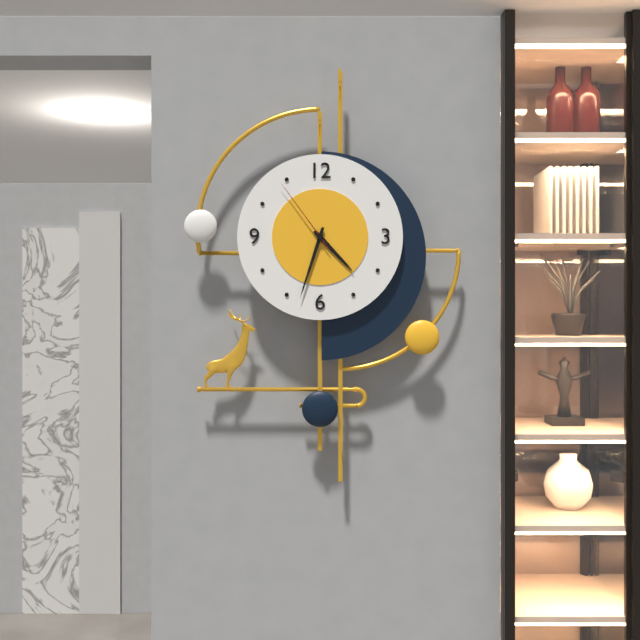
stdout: h=4 m=33 s=54
